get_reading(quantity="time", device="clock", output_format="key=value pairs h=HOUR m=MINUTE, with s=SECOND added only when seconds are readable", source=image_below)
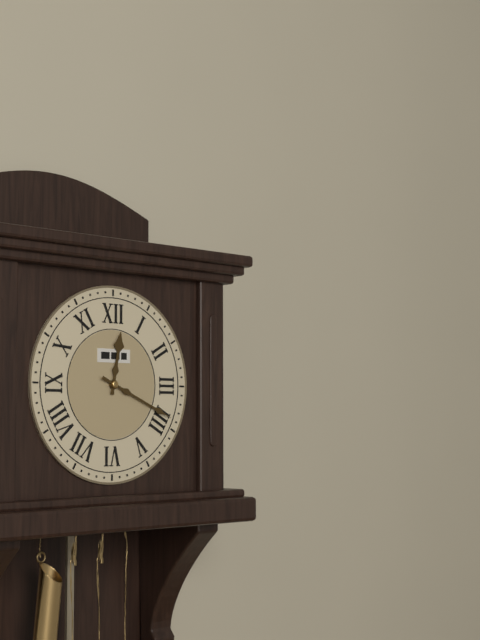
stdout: h=12 m=19
